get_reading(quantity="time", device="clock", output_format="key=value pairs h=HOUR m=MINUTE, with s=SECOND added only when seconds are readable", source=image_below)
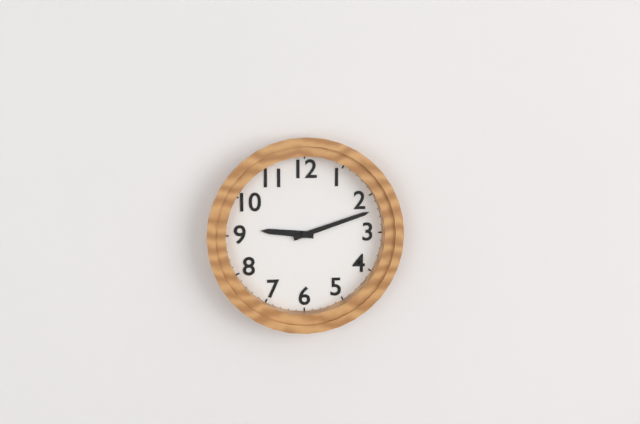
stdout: h=9 m=12
